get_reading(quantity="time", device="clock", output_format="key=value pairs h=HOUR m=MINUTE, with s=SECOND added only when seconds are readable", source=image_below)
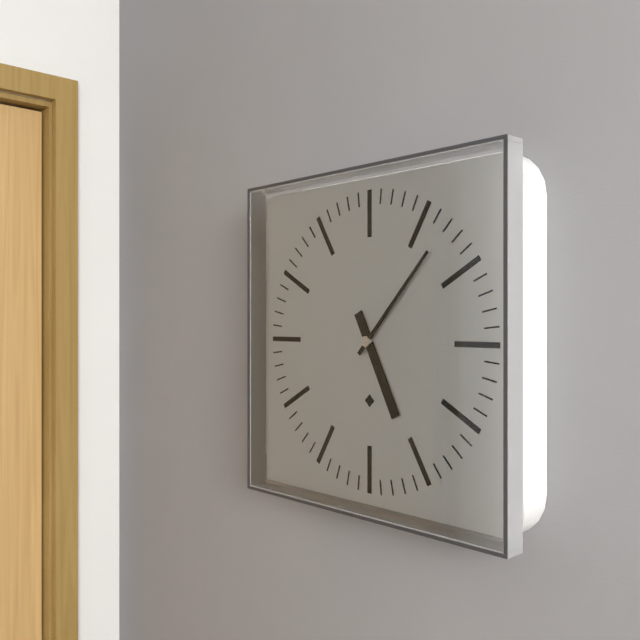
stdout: h=5 m=7
